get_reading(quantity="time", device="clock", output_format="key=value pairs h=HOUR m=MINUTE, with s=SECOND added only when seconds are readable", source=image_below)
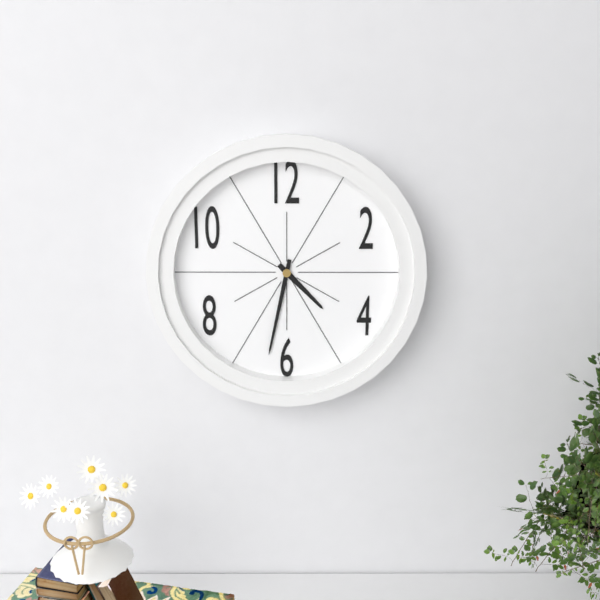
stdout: h=4 m=32
